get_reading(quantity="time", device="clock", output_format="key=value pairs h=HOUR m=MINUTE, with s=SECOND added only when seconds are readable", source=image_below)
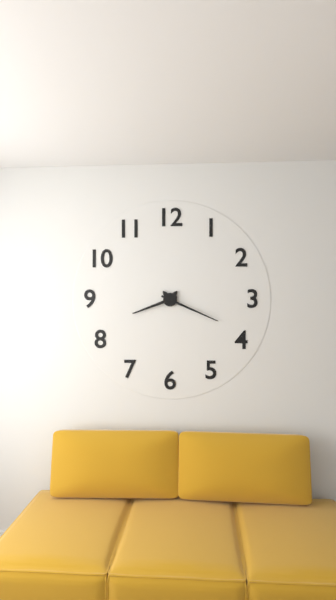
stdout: h=8 m=19
